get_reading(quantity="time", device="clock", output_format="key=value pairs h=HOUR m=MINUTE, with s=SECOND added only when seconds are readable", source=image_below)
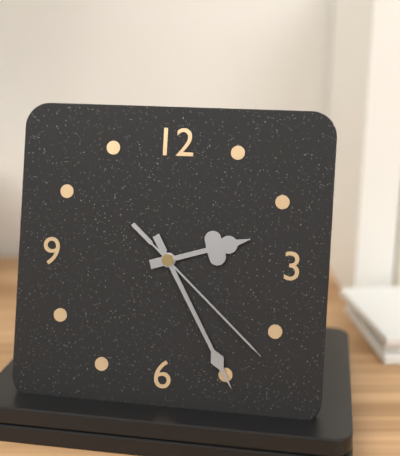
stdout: h=2 m=25 s=22
